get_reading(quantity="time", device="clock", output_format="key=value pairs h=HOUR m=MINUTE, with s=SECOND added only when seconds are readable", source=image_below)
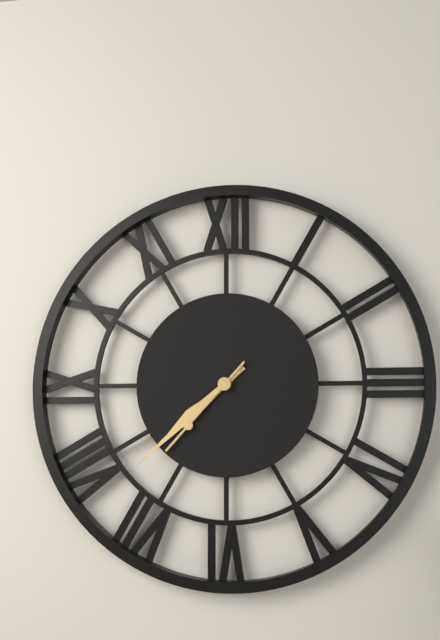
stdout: h=7 m=38 s=37
